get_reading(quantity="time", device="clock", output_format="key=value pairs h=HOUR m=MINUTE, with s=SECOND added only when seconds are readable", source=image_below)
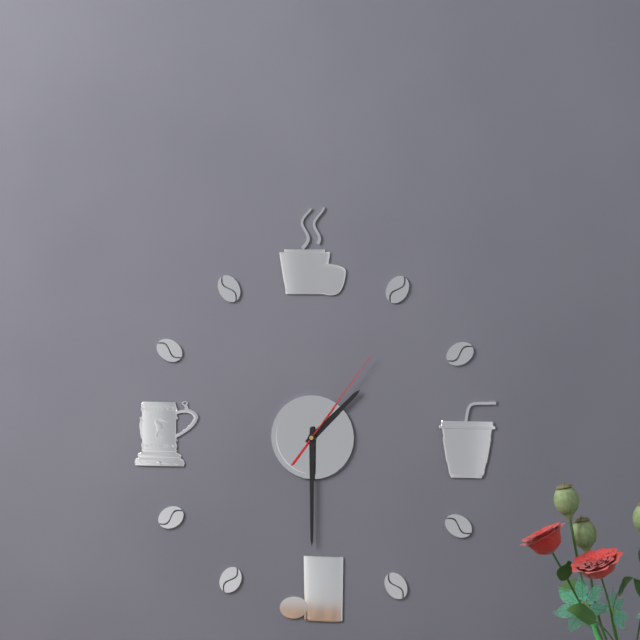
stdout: h=1 m=30 s=6
